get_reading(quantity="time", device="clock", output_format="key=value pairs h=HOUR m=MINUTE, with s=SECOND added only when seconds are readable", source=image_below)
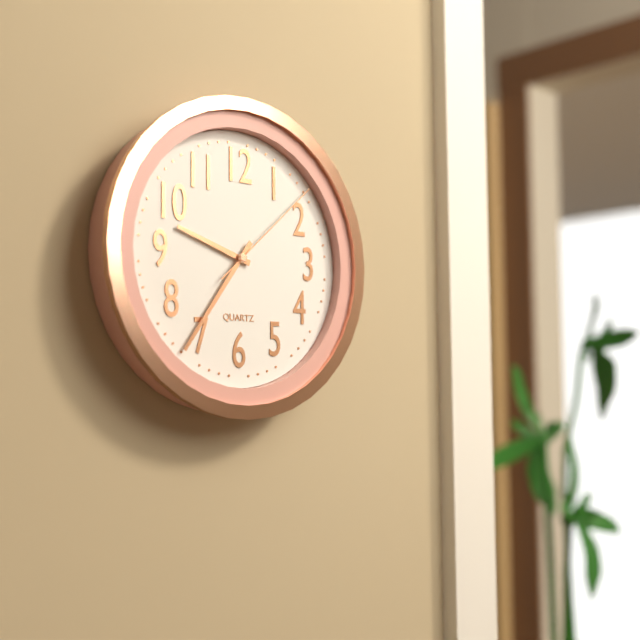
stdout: h=9 m=36 s=8
